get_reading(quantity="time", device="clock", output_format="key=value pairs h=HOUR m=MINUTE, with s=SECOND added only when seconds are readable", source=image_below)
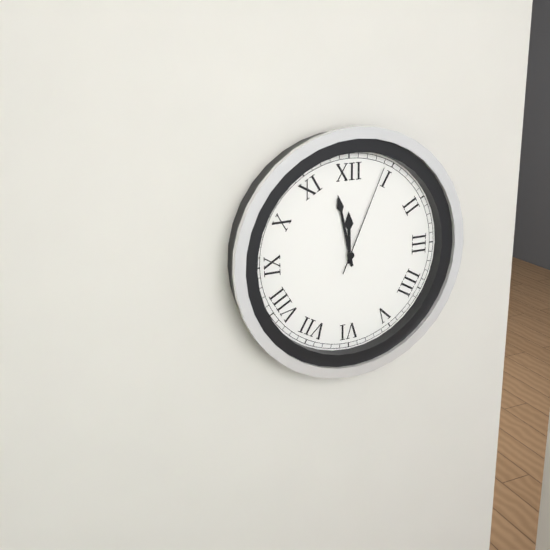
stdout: h=11 m=58 s=4
